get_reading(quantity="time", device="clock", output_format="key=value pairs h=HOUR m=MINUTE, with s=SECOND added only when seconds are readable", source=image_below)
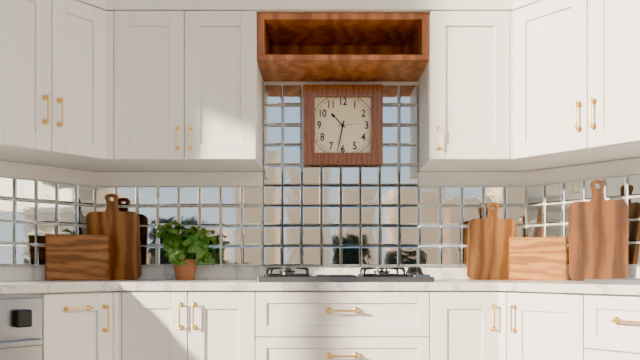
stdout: h=10 m=32
